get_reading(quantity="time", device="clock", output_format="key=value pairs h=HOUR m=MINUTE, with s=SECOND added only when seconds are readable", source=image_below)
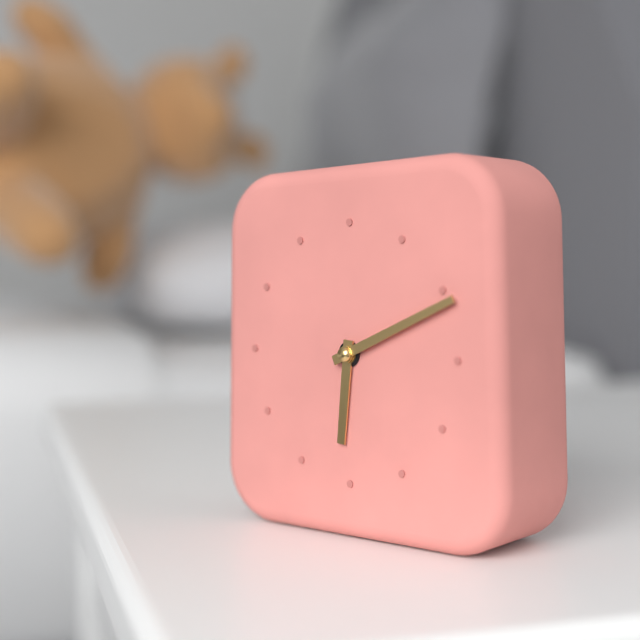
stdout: h=6 m=11
